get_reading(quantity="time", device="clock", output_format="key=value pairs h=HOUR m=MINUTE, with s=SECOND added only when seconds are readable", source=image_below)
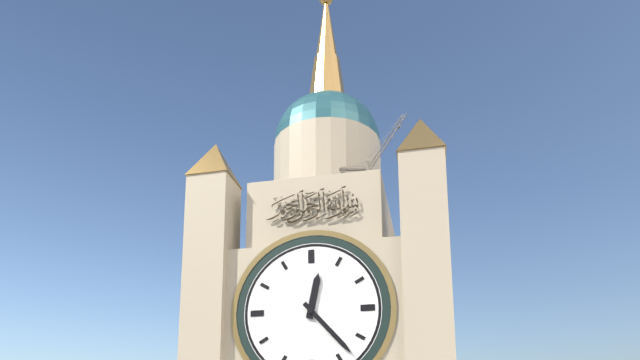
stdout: h=12 m=23
